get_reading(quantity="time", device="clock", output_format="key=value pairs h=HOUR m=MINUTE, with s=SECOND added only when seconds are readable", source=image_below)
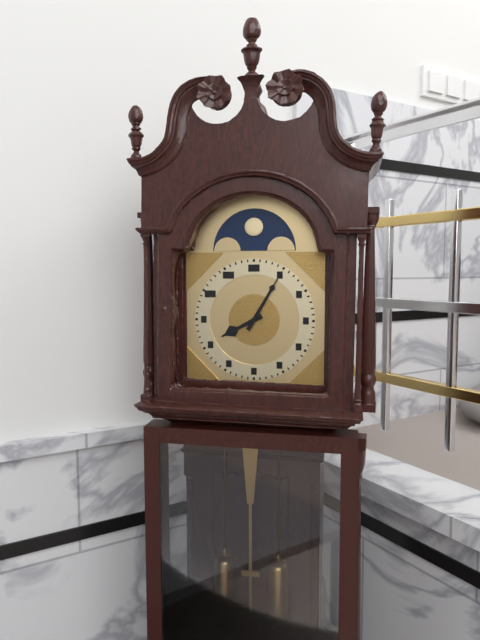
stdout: h=8 m=5
